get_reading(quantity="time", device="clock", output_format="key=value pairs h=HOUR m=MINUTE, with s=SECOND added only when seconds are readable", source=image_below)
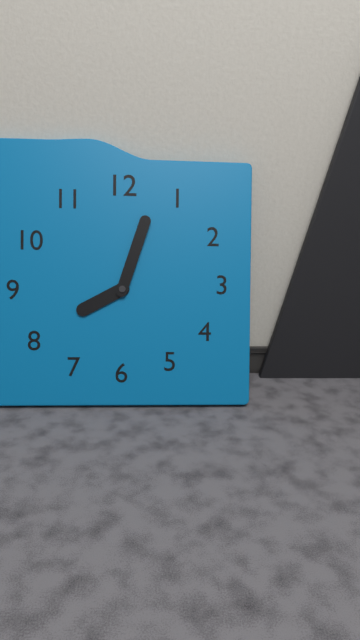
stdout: h=8 m=3
